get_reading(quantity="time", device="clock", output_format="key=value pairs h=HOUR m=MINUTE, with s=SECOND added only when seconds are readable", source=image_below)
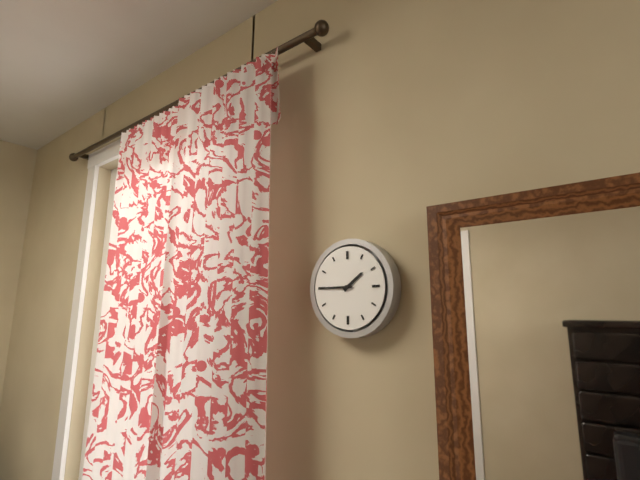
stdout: h=1 m=45
